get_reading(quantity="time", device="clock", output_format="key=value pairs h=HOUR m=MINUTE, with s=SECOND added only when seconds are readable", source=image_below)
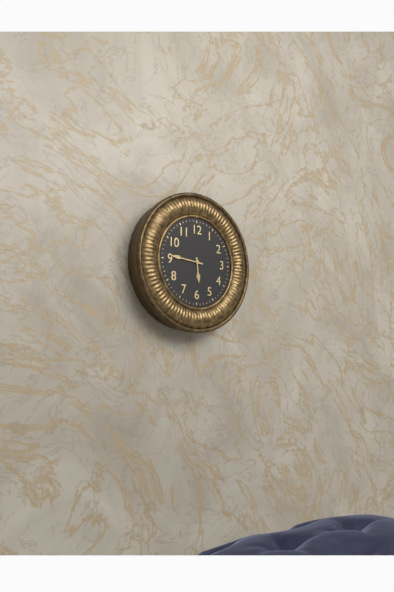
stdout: h=5 m=46
